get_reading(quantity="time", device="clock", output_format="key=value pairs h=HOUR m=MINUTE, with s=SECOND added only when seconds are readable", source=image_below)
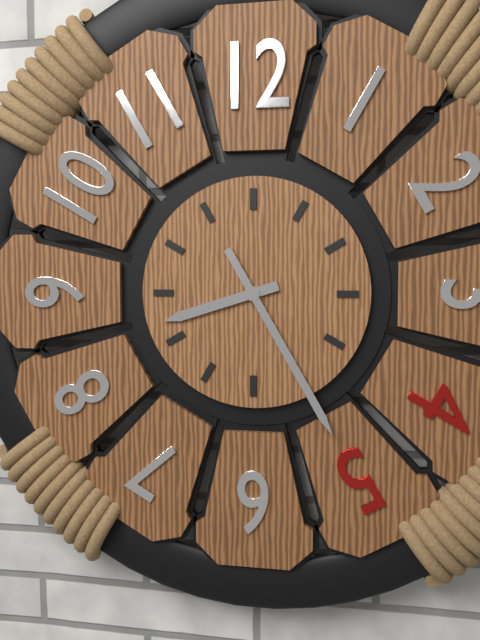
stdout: h=8 m=25
